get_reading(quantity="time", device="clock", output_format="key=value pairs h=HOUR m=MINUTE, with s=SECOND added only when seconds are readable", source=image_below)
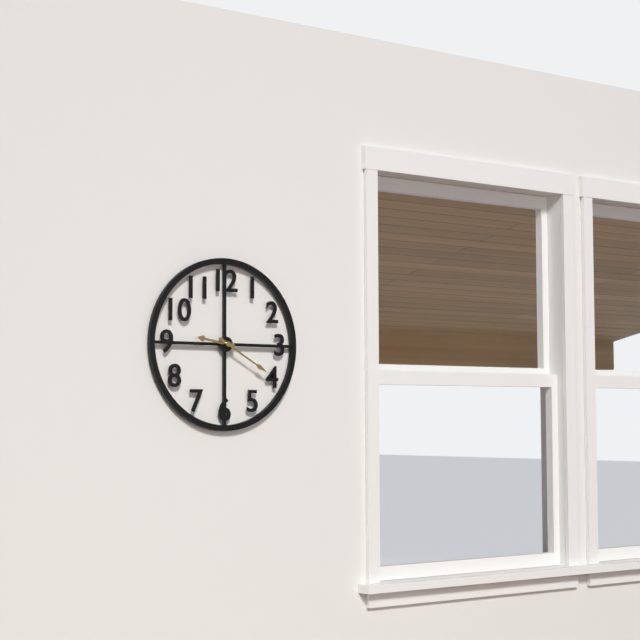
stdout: h=9 m=20
